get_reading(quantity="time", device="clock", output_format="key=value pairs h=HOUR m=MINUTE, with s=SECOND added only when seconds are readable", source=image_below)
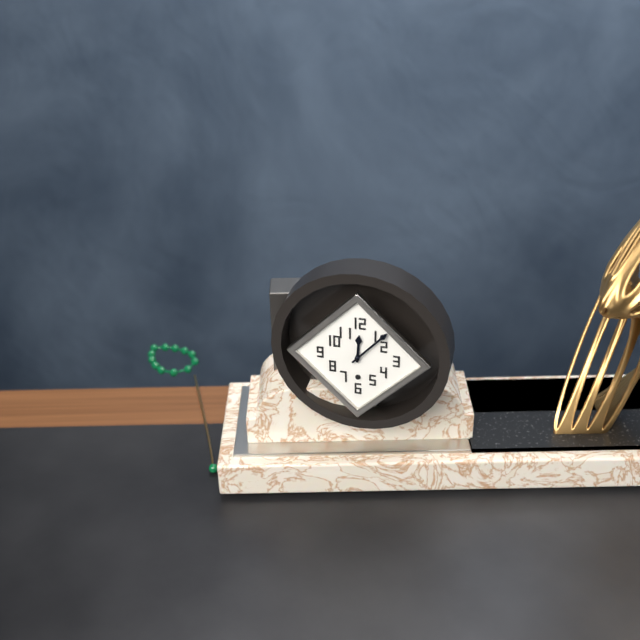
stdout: h=12 m=7
